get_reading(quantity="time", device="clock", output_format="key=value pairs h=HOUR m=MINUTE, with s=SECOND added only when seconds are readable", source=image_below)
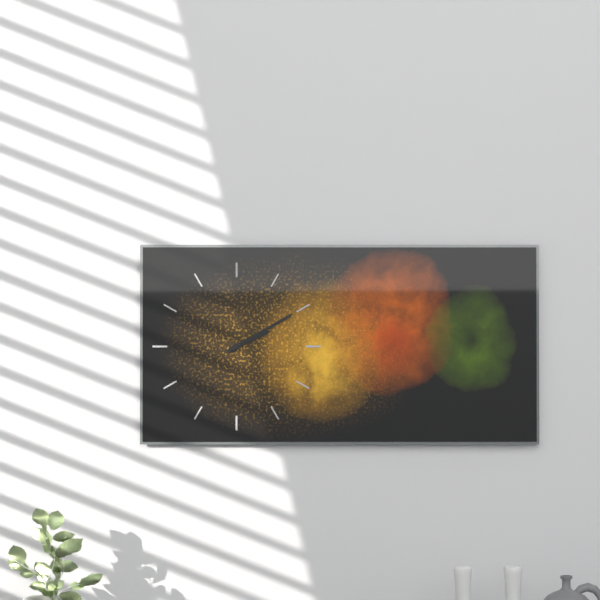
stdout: h=2 m=10
